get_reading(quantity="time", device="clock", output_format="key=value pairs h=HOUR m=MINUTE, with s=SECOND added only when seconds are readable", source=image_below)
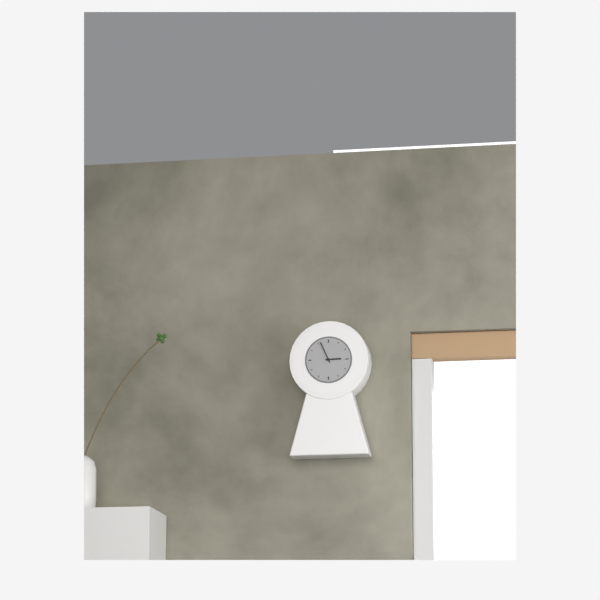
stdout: h=2 m=56
